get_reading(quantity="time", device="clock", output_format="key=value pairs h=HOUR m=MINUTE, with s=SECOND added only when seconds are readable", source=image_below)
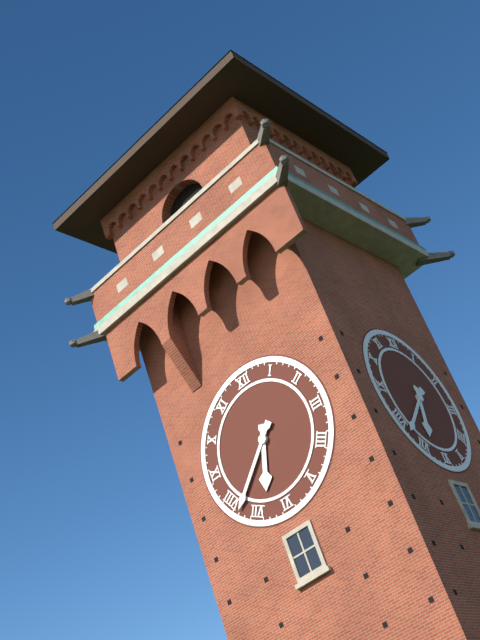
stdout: h=6 m=38
